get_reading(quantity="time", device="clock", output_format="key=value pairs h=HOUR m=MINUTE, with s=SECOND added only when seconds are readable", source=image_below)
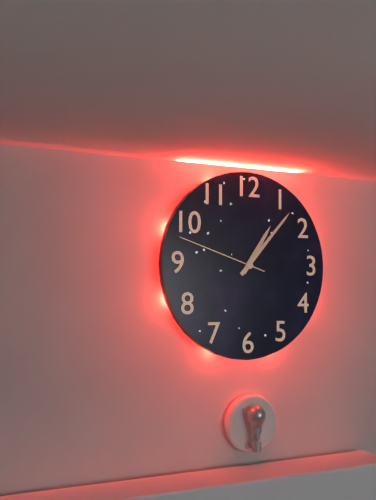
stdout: h=1 m=7 s=48
